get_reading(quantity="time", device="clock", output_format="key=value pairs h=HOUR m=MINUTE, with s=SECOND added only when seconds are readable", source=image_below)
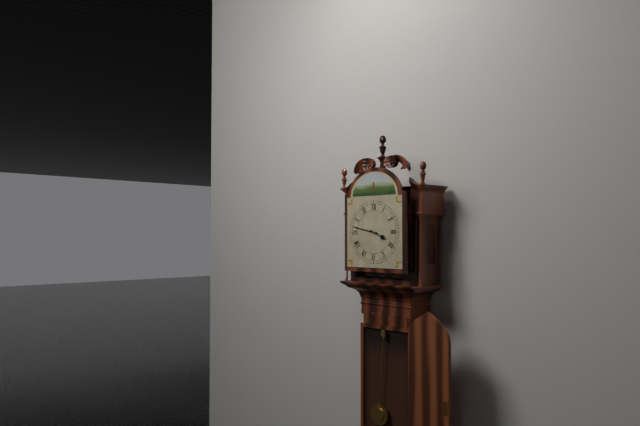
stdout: h=3 m=47
